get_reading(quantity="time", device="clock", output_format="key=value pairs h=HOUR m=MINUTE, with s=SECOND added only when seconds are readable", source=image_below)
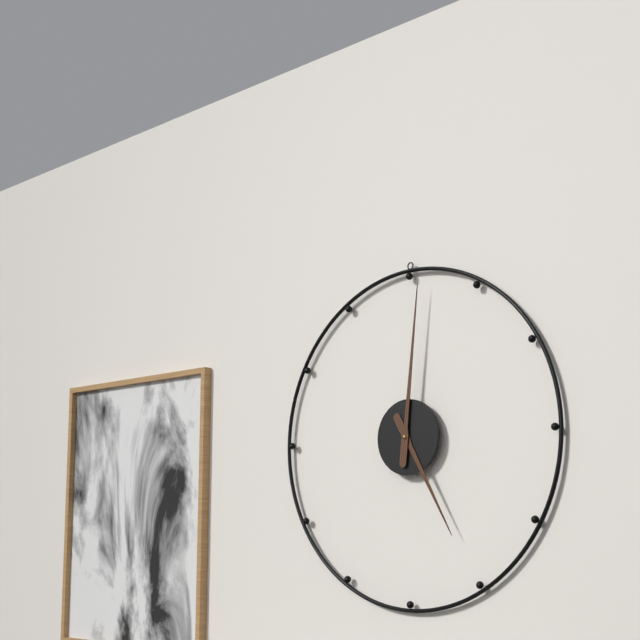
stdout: h=5 m=1
